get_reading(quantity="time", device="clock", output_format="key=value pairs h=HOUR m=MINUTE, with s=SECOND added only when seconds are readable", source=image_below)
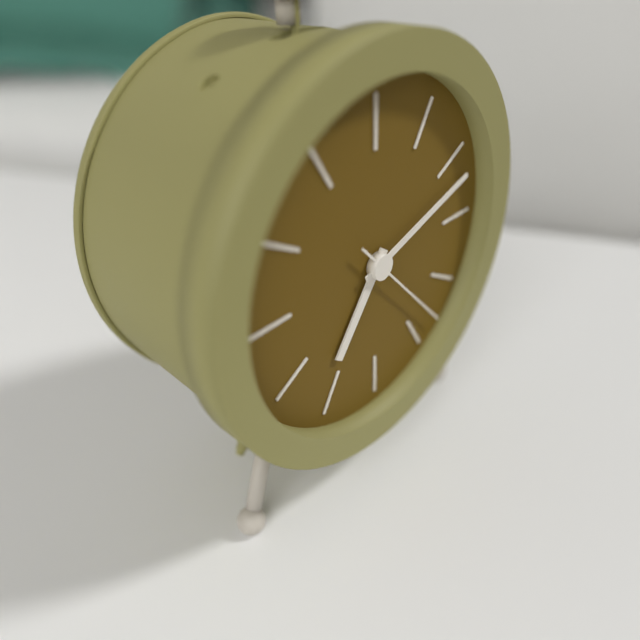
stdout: h=7 m=12 s=23
